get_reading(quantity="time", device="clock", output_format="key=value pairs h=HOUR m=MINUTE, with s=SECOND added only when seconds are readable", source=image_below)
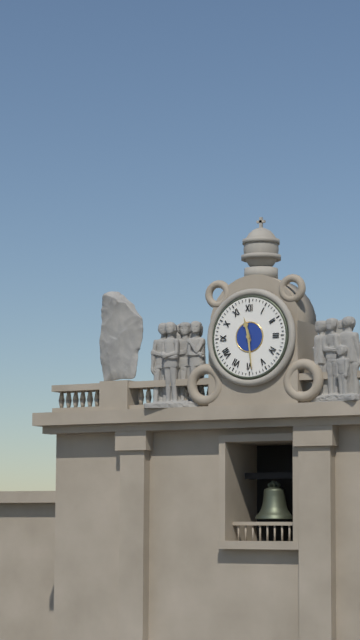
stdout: h=11 m=29
